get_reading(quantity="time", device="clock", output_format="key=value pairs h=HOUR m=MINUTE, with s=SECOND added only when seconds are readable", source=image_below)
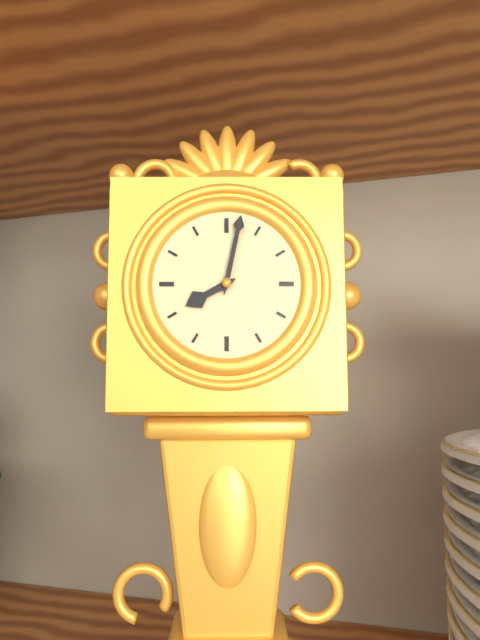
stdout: h=8 m=2
